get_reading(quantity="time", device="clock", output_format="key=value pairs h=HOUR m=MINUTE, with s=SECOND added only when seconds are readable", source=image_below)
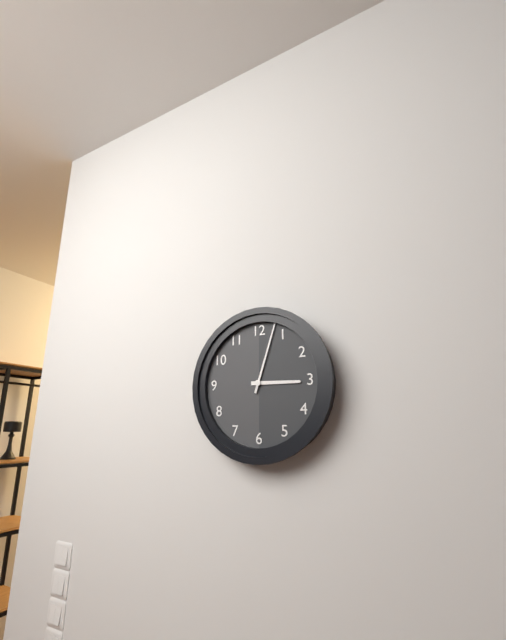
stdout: h=3 m=3
